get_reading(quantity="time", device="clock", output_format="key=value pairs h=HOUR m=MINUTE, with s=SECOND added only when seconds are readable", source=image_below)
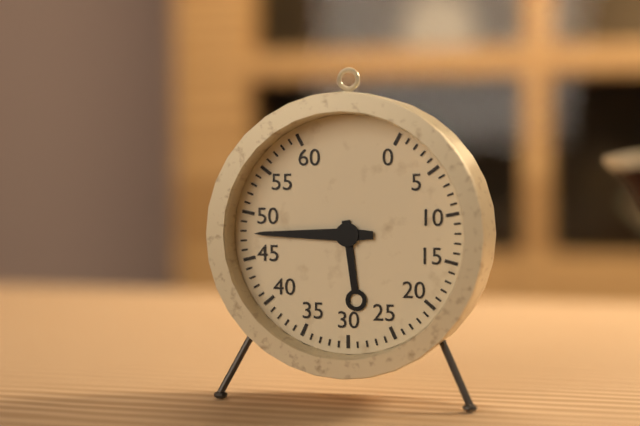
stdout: h=5 m=45
